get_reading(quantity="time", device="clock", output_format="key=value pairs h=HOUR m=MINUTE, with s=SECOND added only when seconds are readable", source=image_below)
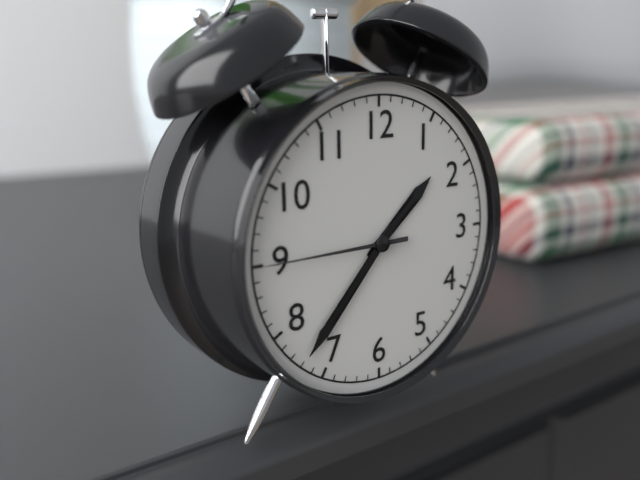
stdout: h=1 m=37 s=45
